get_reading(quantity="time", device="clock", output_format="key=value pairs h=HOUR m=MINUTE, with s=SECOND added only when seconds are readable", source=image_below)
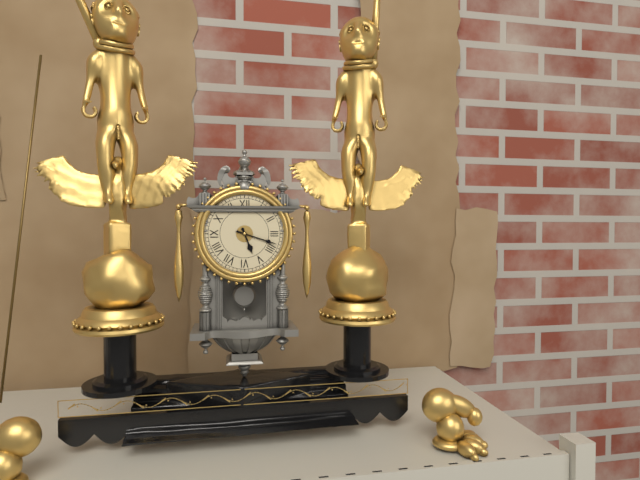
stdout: h=5 m=18
